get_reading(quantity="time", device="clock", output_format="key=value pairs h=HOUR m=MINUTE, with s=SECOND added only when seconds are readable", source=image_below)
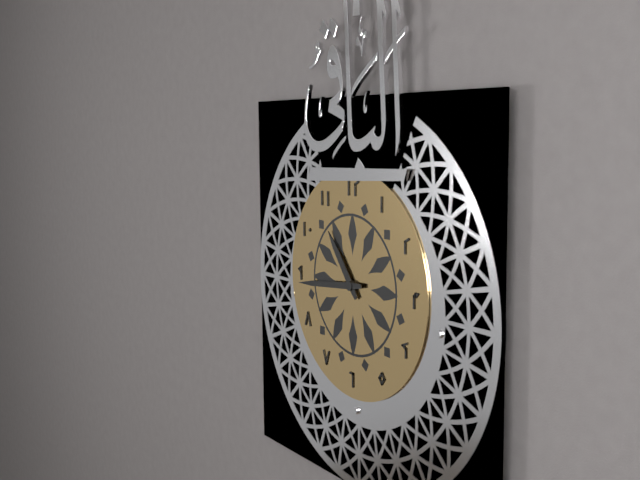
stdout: h=10 m=44
